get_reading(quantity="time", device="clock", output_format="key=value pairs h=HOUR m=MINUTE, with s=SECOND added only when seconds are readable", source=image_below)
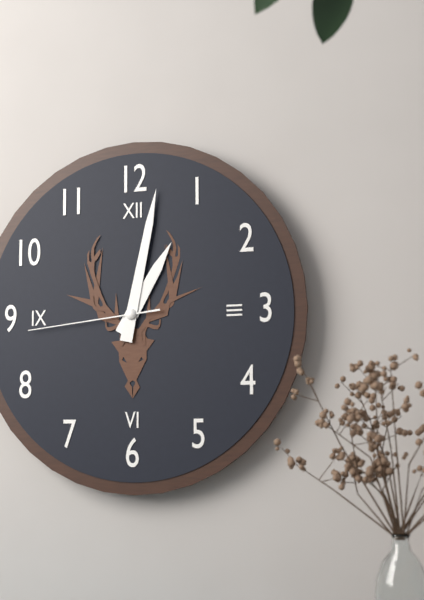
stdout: h=1 m=2 s=44
